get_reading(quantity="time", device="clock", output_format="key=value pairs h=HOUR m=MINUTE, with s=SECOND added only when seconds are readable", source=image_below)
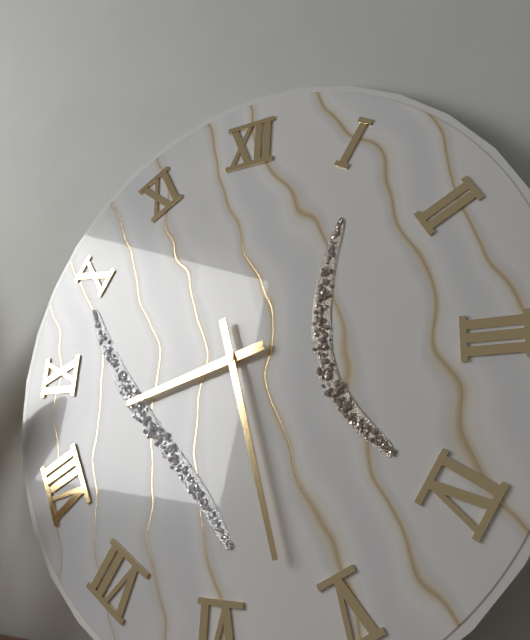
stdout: h=8 m=27
